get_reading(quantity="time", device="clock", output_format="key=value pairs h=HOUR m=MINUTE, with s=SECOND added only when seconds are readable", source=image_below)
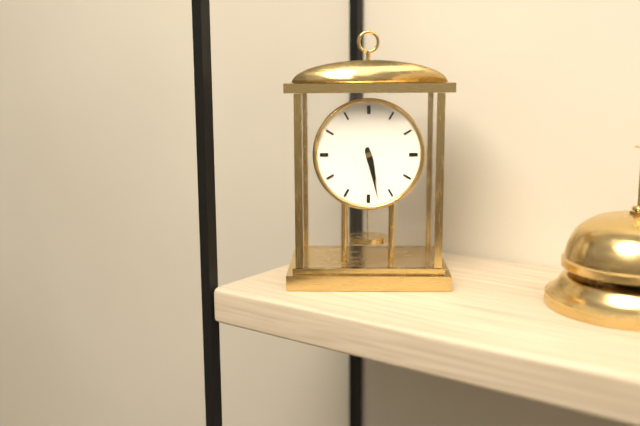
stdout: h=5 m=28
